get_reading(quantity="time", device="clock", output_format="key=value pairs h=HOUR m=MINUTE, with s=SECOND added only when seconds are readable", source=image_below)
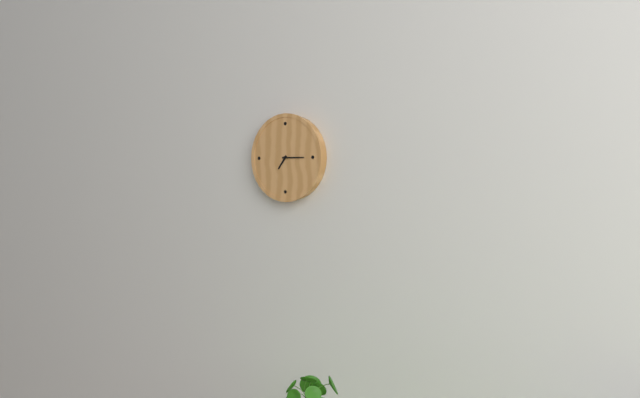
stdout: h=7 m=15
